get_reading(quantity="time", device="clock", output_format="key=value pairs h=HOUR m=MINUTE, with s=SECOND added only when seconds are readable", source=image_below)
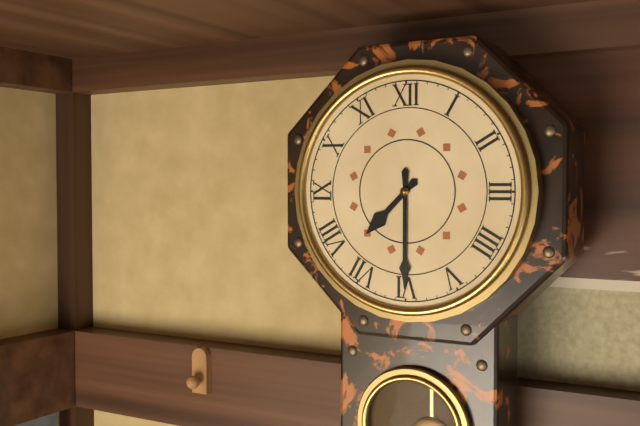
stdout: h=7 m=30
